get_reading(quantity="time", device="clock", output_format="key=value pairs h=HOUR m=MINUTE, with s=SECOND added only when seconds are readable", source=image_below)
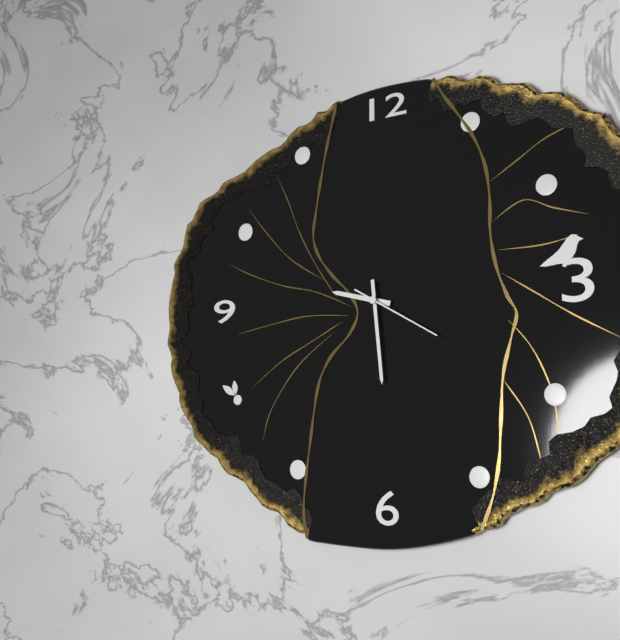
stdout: h=9 m=29 s=20
